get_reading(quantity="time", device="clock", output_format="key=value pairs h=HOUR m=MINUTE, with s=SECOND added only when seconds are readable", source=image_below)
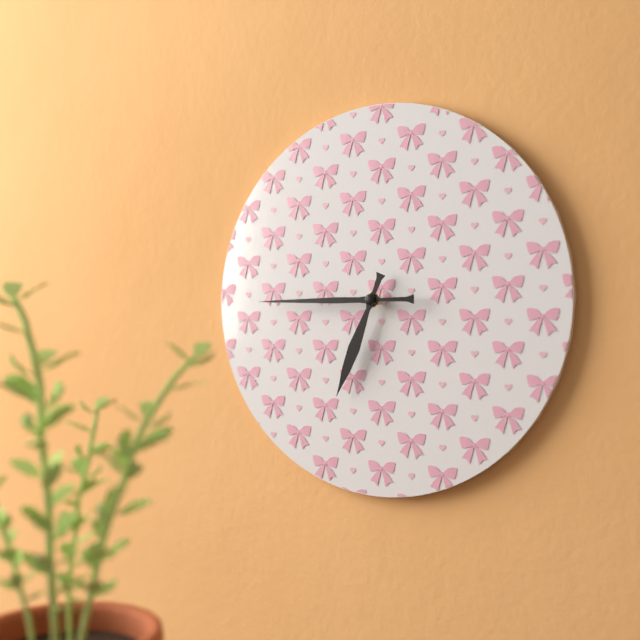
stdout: h=6 m=45
